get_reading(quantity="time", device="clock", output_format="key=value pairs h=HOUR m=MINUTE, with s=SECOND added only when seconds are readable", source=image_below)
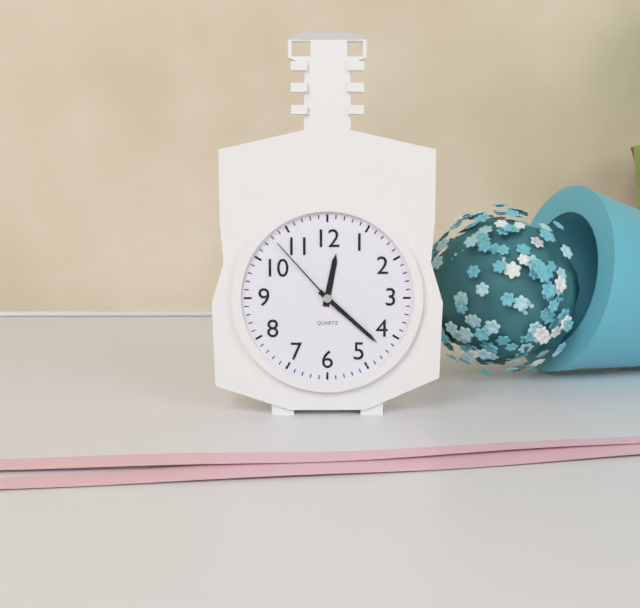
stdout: h=12 m=22 s=53
